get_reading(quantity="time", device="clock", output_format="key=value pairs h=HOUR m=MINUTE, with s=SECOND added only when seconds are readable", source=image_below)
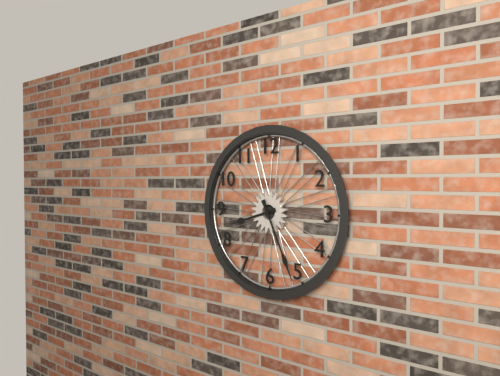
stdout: h=8 m=26
